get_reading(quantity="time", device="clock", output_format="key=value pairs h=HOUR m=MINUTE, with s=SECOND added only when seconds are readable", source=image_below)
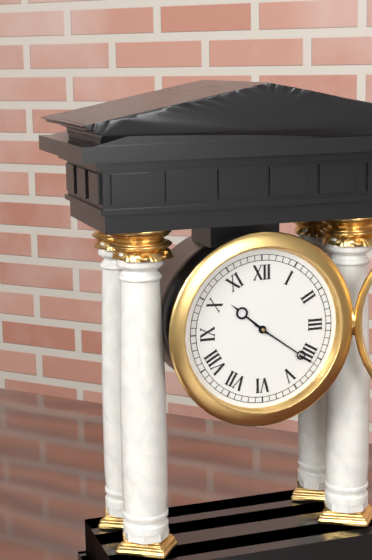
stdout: h=10 m=21
